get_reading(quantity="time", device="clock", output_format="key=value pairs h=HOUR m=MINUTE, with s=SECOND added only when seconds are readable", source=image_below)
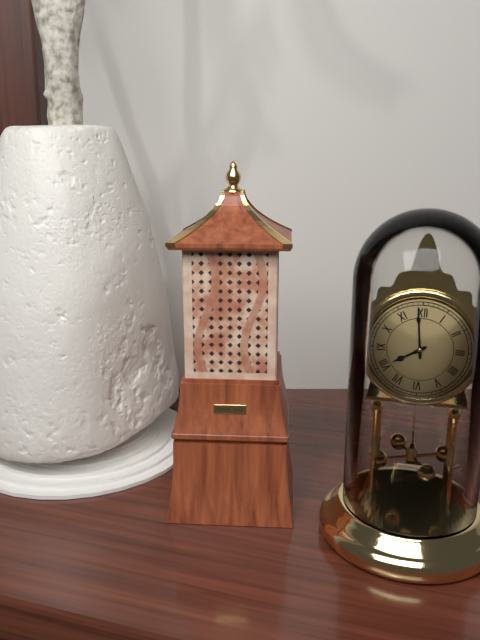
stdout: h=7 m=59
